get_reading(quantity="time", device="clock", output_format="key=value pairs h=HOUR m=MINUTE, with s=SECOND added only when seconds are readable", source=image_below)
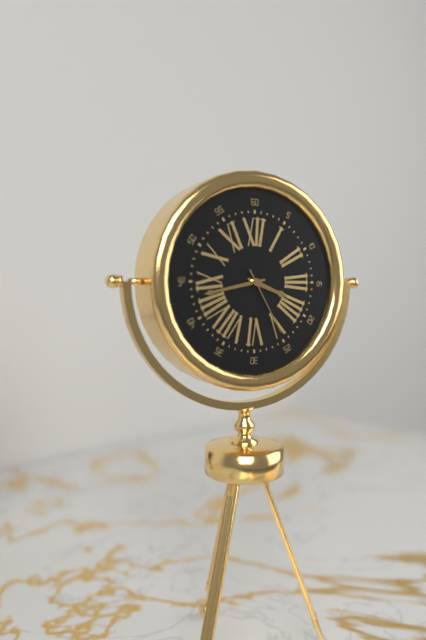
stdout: h=3 m=43 s=25
